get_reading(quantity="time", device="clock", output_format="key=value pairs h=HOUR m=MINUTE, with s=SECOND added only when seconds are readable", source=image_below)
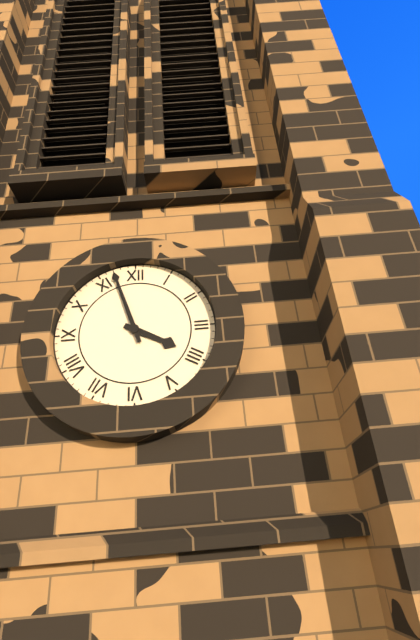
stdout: h=3 m=57
